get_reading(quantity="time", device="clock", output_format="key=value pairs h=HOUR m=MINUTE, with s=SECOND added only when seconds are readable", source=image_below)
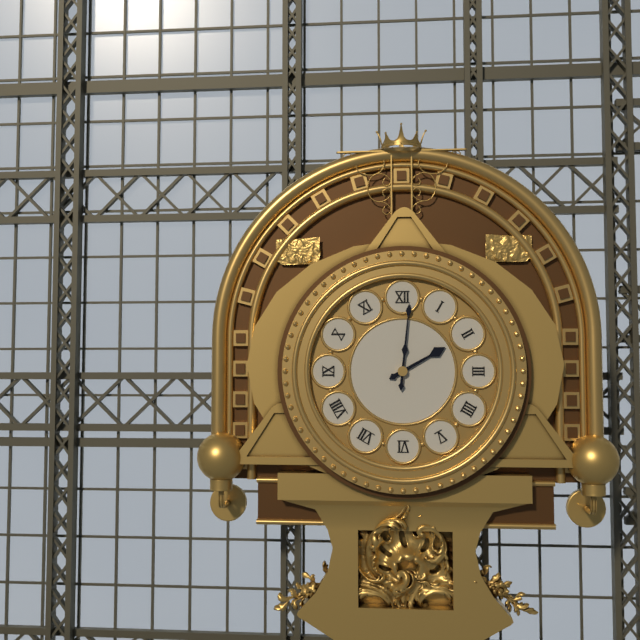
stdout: h=2 m=1
